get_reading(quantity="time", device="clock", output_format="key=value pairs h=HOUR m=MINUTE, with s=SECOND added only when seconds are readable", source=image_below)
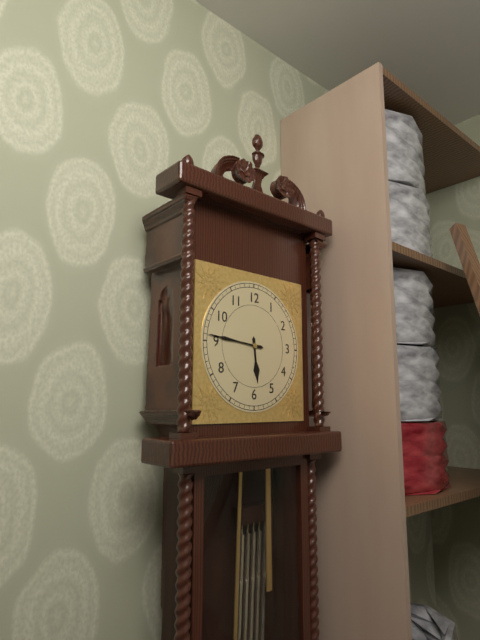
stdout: h=5 m=46
